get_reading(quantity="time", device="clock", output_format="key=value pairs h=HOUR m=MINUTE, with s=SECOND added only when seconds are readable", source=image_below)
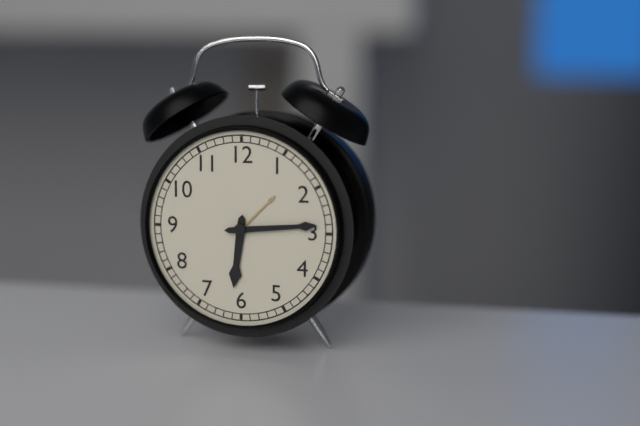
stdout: h=6 m=14
